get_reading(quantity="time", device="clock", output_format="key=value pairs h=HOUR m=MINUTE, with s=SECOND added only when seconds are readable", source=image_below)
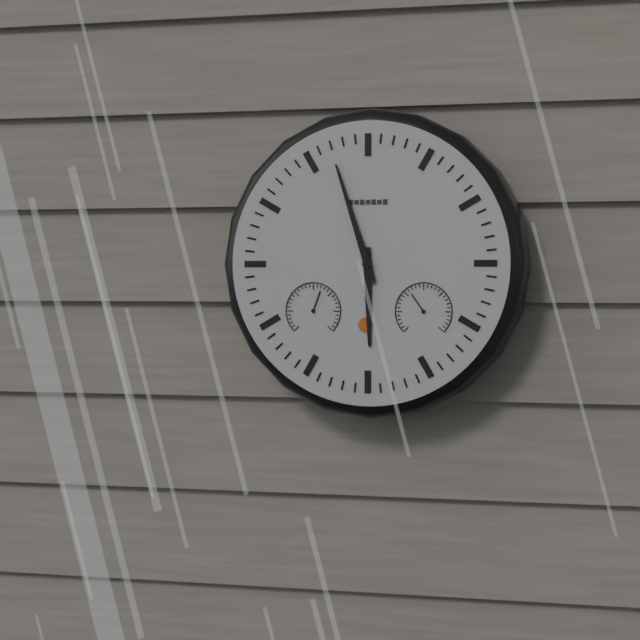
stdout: h=5 m=57
